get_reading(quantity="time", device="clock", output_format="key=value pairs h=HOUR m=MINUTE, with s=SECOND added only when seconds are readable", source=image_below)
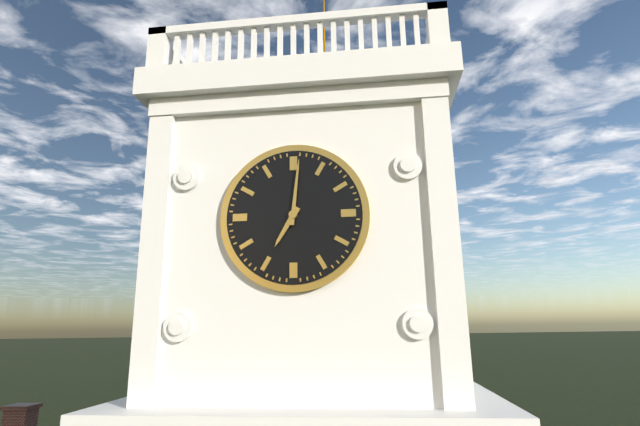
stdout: h=7 m=1
